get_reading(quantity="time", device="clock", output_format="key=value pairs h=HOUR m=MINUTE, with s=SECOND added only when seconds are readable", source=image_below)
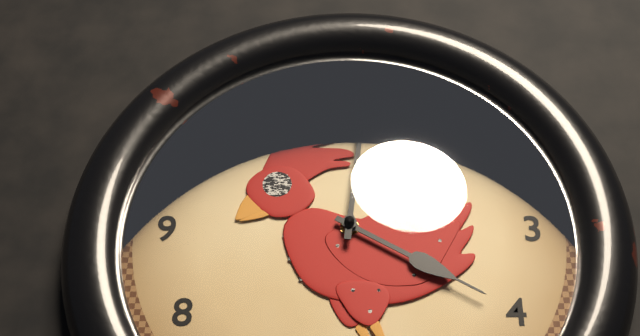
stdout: h=4 m=1
